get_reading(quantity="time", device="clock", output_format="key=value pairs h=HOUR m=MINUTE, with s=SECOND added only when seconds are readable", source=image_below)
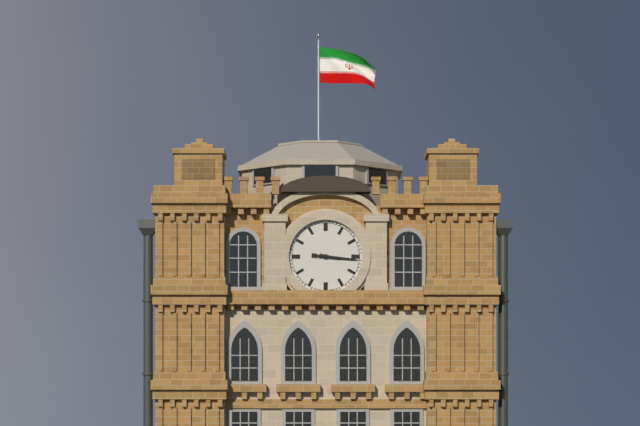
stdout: h=3 m=16
